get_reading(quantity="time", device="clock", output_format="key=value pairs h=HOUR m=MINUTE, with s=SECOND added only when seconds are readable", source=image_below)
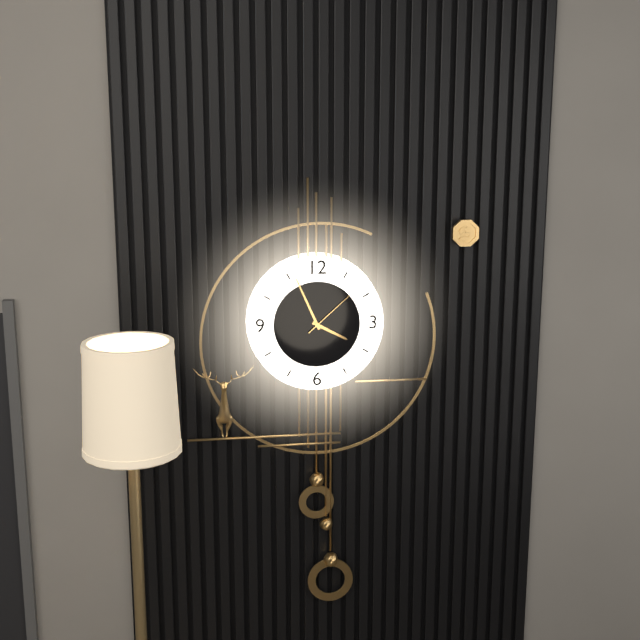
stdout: h=3 m=56 s=8
